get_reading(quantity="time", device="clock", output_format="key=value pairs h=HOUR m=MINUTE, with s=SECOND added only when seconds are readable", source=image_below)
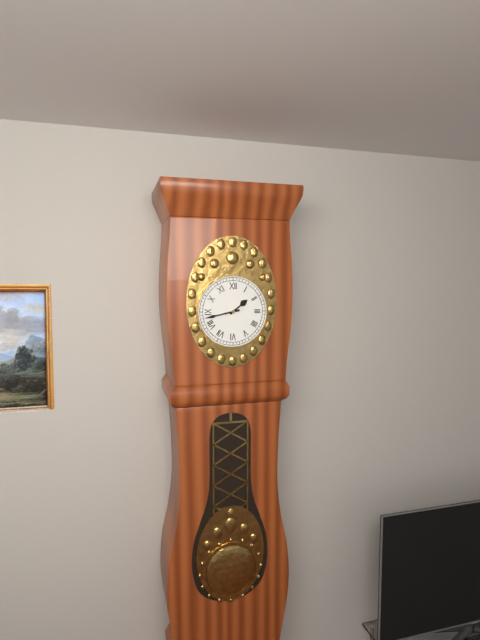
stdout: h=1 m=43
